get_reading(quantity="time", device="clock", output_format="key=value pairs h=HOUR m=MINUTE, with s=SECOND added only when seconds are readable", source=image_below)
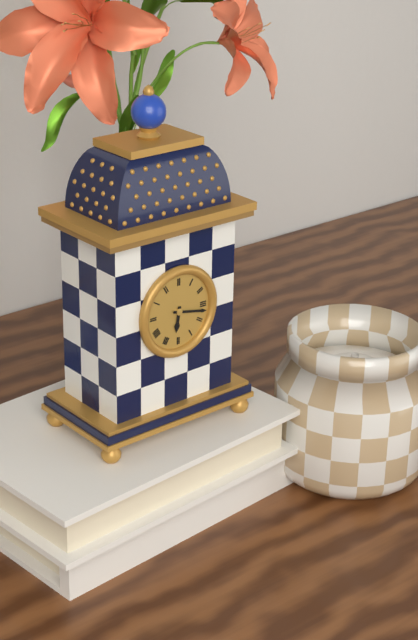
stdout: h=6 m=17
